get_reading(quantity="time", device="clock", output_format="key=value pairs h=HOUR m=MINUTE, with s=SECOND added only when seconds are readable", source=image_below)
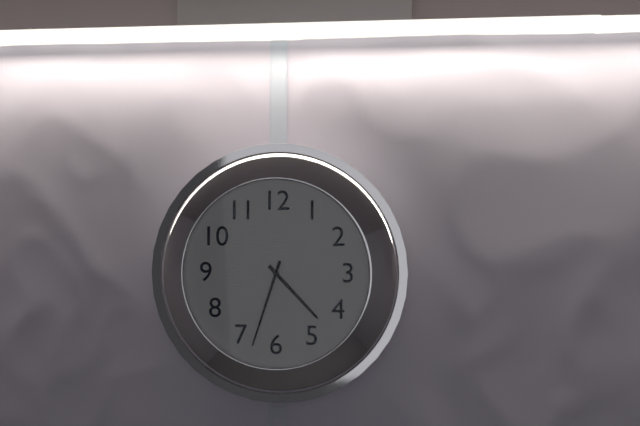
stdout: h=4 m=33
